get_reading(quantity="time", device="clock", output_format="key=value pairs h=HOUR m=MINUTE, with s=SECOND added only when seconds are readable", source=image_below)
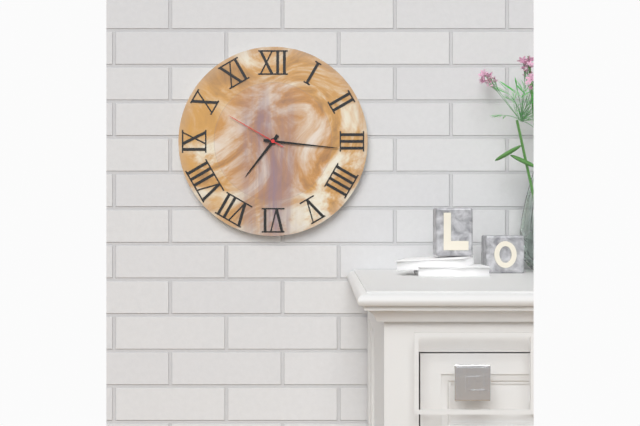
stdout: h=7 m=16 s=50
